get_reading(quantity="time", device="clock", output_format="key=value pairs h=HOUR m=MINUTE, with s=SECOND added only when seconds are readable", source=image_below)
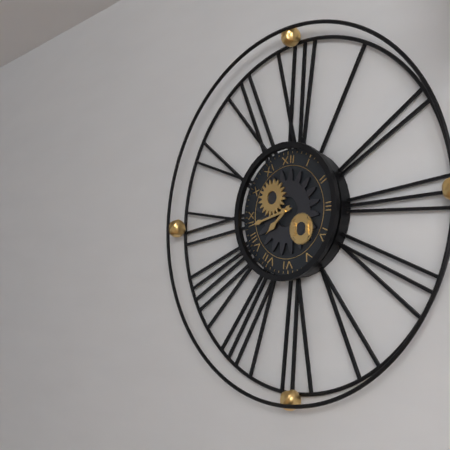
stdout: h=7 m=43
